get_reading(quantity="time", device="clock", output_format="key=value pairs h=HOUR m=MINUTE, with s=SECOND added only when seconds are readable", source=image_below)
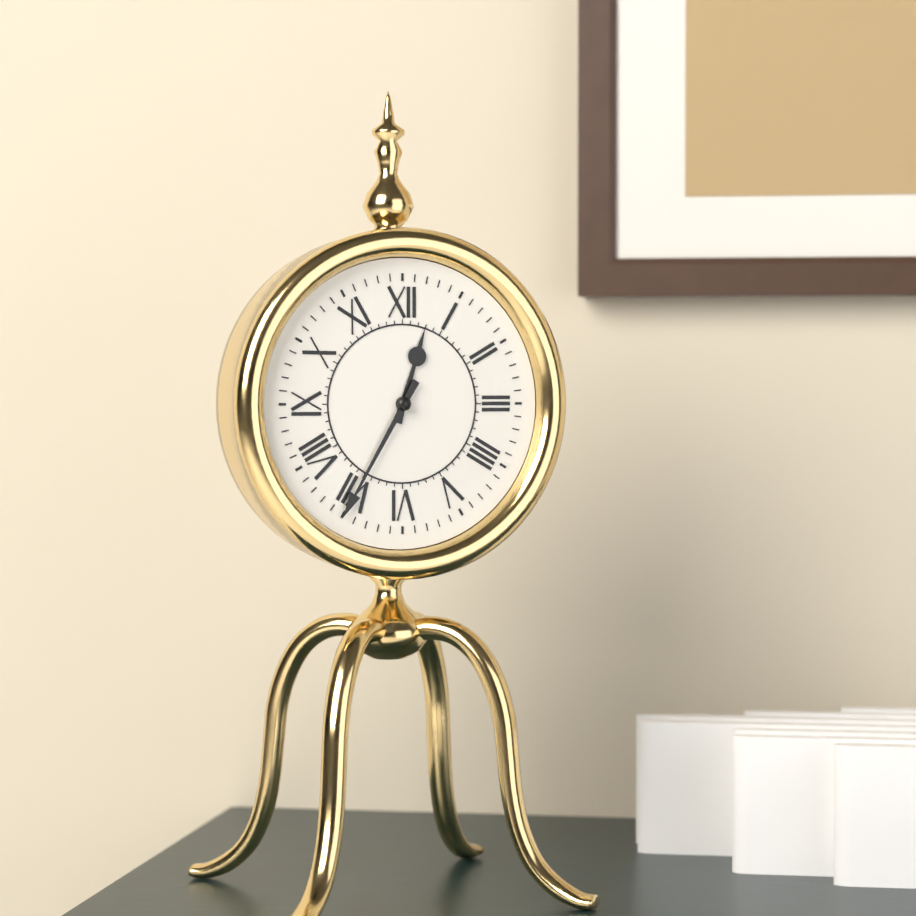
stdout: h=12 m=35
